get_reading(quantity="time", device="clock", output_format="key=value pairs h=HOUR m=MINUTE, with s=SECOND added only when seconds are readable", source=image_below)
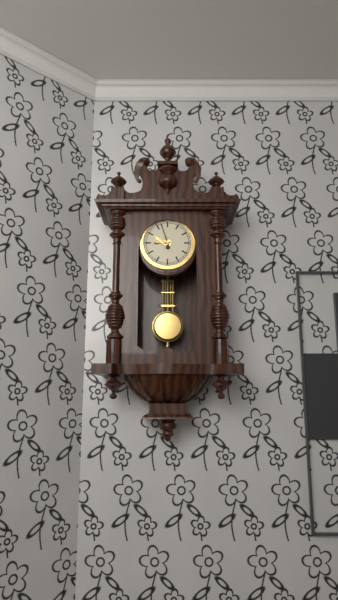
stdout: h=8 m=57
